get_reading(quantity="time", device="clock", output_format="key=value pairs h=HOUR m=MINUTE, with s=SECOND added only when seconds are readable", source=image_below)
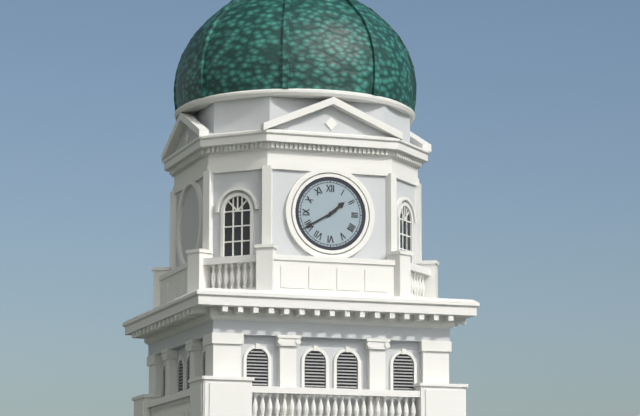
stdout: h=1 m=40
